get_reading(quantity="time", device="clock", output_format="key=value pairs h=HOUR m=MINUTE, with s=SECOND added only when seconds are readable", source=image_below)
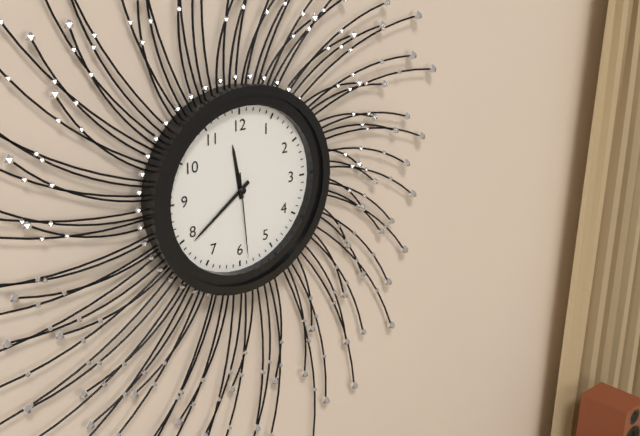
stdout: h=11 m=39 s=29
